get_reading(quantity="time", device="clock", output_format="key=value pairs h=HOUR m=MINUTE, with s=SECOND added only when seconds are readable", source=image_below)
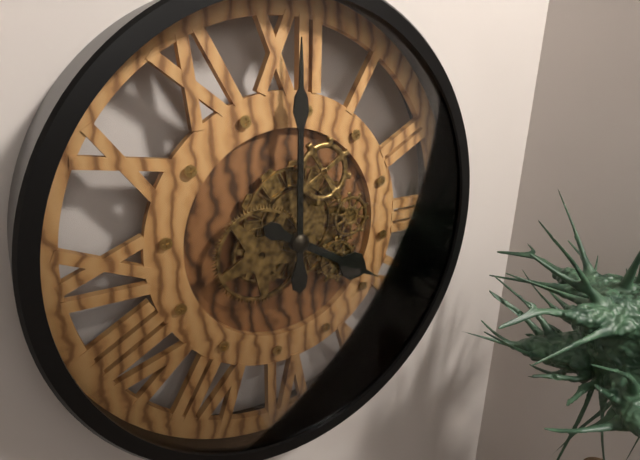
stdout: h=4 m=0
